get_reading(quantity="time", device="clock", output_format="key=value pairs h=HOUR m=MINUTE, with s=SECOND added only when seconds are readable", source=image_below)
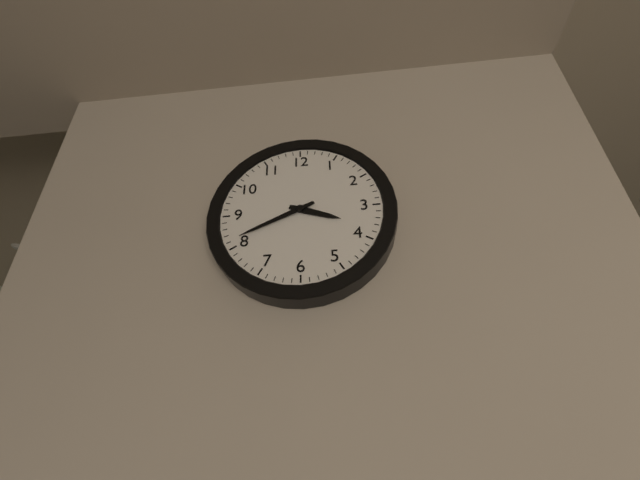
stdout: h=3 m=41
